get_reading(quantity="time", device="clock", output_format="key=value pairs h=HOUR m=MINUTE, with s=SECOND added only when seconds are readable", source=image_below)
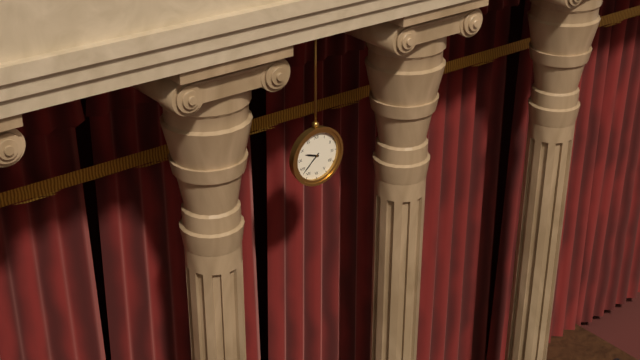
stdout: h=9 m=38
